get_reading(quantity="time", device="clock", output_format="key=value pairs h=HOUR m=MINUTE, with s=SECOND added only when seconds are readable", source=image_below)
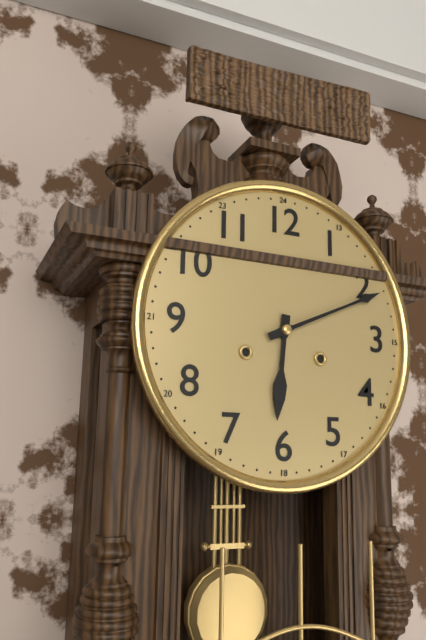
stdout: h=6 m=11
